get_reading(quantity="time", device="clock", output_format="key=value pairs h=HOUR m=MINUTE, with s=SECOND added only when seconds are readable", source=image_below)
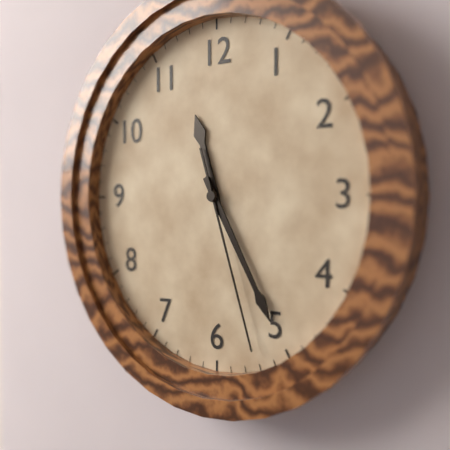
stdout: h=11 m=25 s=27
